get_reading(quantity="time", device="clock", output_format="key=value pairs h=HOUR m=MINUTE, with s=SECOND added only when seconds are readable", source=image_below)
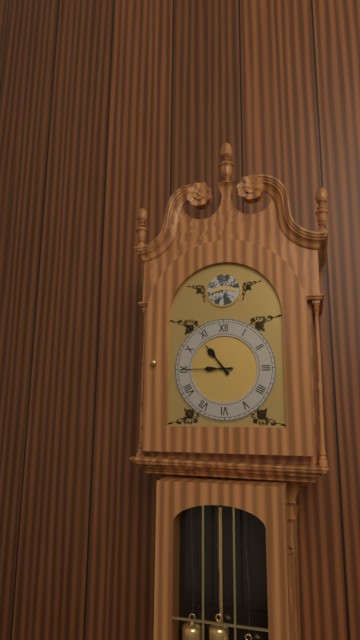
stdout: h=10 m=45
